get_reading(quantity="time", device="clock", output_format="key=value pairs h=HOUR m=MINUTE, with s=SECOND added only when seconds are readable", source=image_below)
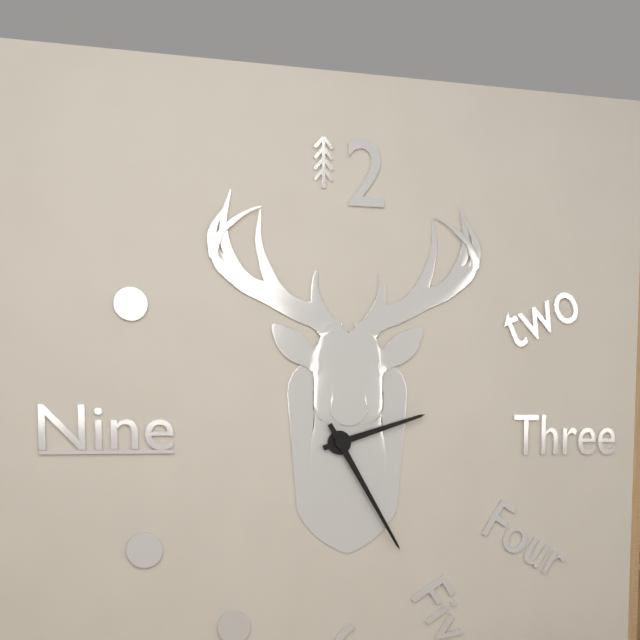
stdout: h=2 m=25
